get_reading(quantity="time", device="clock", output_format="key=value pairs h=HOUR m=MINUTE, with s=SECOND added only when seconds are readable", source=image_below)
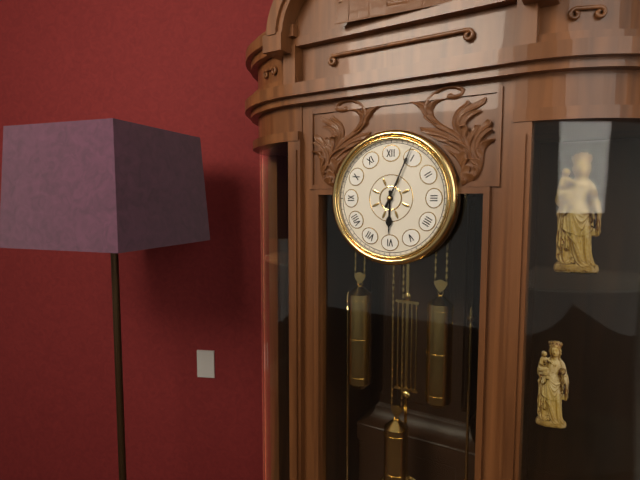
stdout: h=6 m=4
